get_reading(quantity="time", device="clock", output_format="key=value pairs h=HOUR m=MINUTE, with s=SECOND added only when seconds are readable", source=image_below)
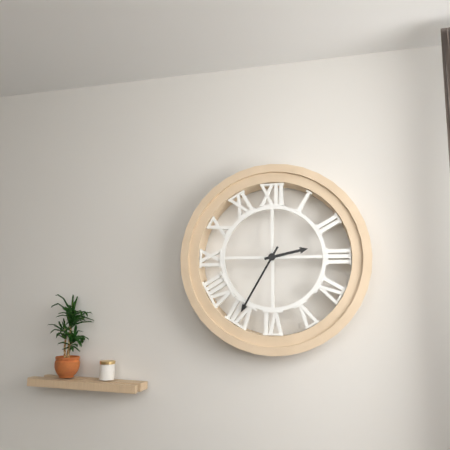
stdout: h=2 m=35
